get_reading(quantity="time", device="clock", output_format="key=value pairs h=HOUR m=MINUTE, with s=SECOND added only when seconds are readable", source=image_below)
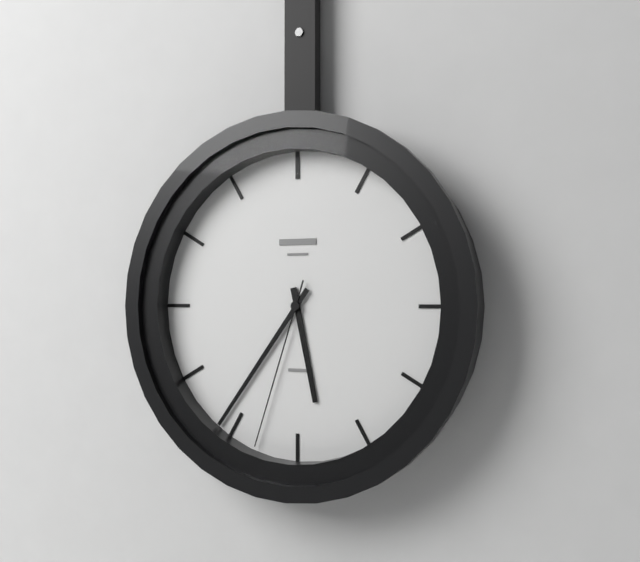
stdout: h=5 m=36 s=33
